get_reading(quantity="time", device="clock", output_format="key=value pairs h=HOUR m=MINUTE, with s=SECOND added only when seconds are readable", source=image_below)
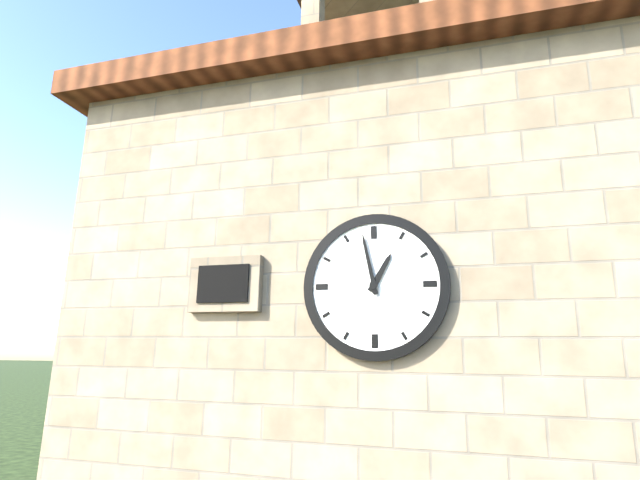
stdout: h=12 m=58
